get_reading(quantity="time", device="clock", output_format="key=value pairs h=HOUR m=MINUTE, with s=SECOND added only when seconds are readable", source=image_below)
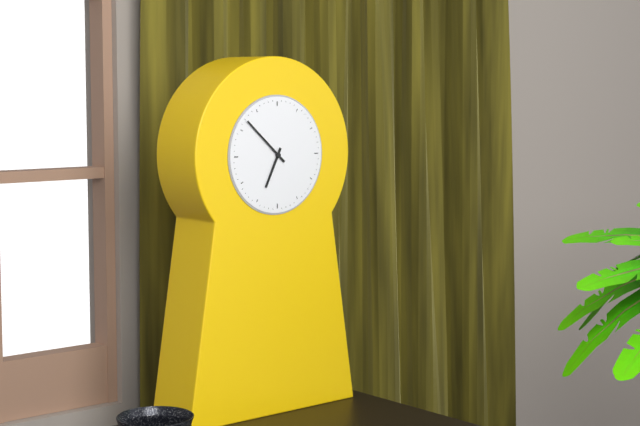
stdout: h=6 m=52
